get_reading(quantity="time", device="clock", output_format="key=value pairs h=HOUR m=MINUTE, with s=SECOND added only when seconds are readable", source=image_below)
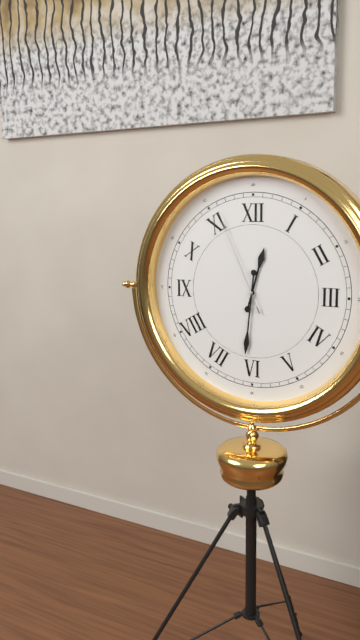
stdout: h=12 m=31 s=56
